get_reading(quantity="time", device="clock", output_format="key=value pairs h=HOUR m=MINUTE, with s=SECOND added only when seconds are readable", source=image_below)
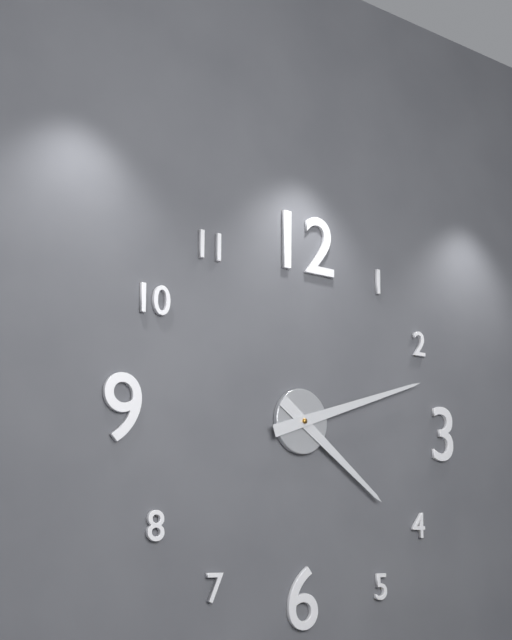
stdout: h=4 m=12
